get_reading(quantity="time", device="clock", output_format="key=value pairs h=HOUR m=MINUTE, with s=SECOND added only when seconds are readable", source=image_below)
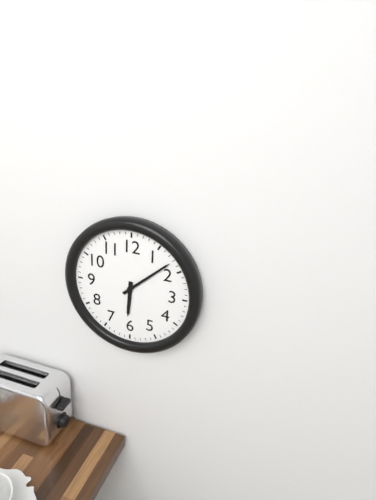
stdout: h=6 m=8
